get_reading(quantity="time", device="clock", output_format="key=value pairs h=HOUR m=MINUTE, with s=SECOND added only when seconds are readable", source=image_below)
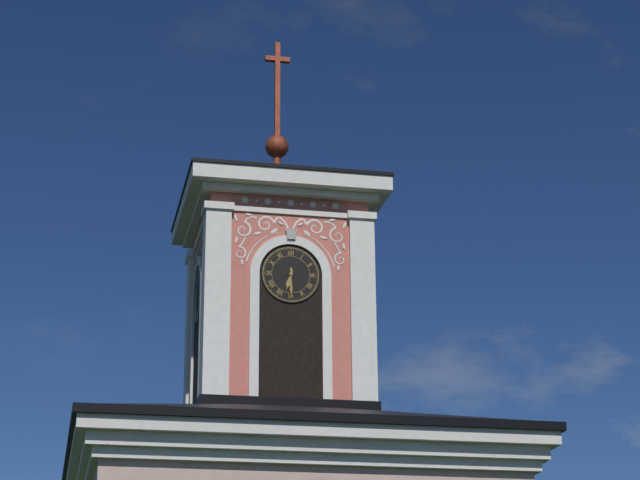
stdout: h=6 m=30
